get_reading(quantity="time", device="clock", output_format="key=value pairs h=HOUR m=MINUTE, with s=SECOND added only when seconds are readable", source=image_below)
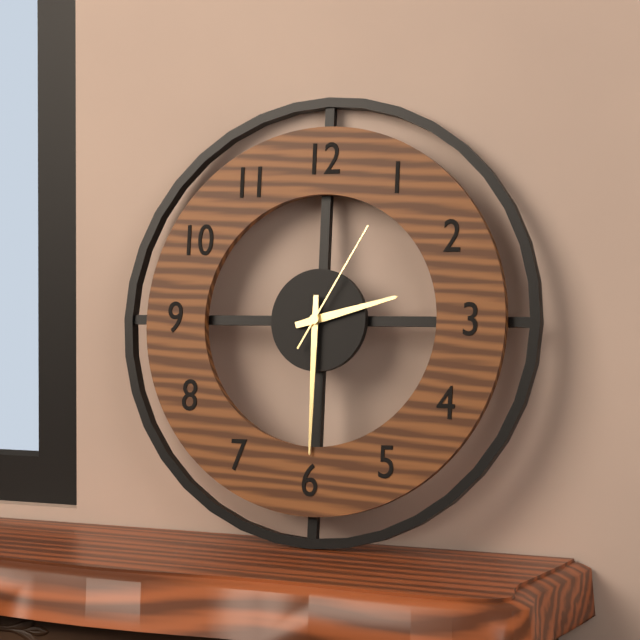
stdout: h=2 m=30 s=5
